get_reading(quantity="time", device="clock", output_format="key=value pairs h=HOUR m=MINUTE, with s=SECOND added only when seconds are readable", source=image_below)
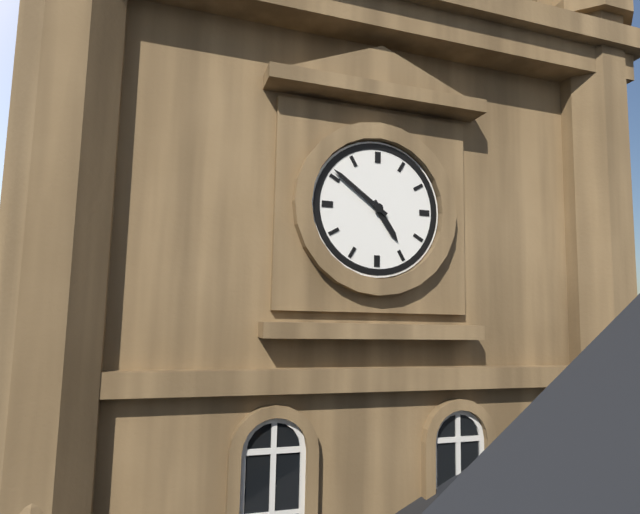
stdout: h=4 m=51
